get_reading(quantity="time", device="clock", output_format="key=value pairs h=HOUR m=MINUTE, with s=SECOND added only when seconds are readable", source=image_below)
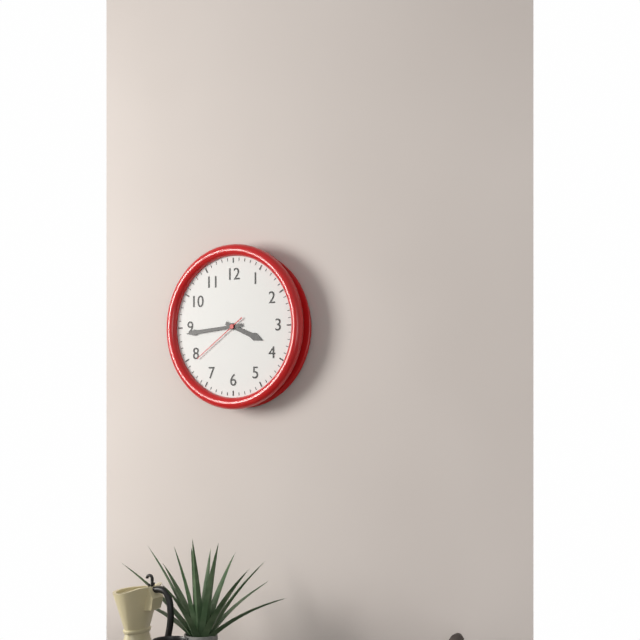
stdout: h=3 m=44 s=39
